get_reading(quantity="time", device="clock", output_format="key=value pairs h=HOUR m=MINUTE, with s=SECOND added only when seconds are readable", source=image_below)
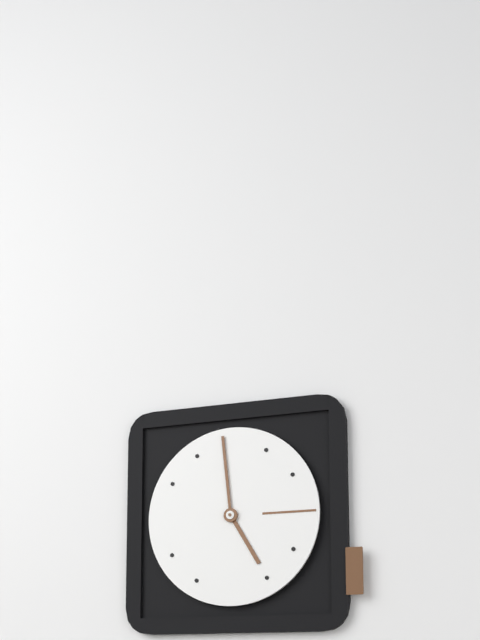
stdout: h=4 m=59
